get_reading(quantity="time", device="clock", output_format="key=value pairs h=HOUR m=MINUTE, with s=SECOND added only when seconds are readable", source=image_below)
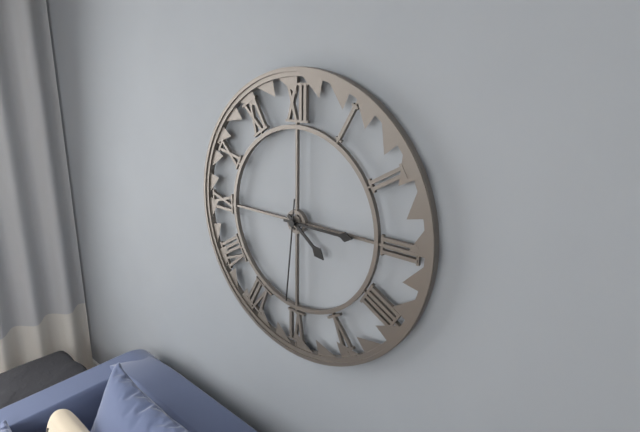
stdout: h=4 m=15 s=31
